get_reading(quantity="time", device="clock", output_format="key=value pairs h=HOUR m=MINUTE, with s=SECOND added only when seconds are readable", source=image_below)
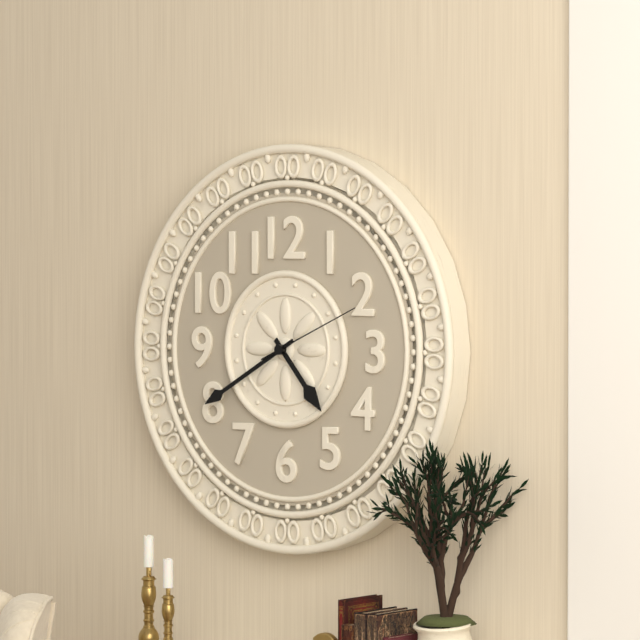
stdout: h=4 m=40 s=11
